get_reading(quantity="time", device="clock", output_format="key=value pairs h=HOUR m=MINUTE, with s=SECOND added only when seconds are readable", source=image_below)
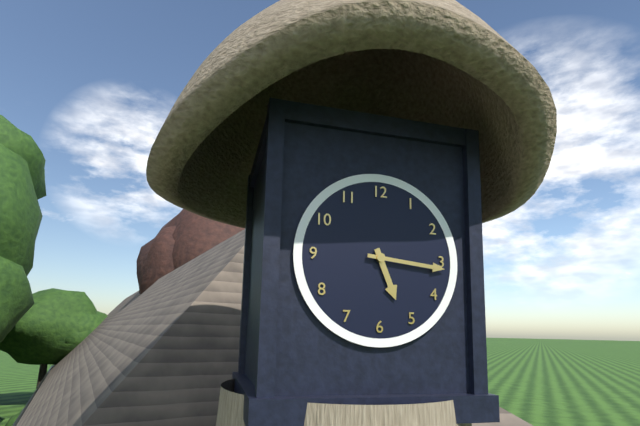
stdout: h=5 m=16
